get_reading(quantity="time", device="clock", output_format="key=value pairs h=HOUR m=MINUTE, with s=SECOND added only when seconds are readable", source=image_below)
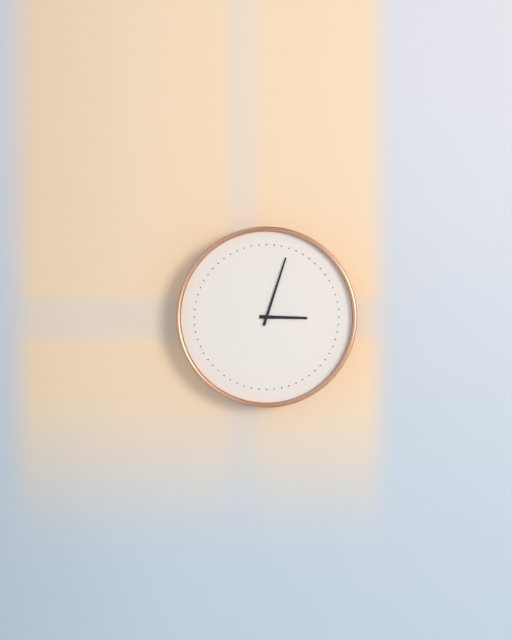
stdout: h=3 m=3
